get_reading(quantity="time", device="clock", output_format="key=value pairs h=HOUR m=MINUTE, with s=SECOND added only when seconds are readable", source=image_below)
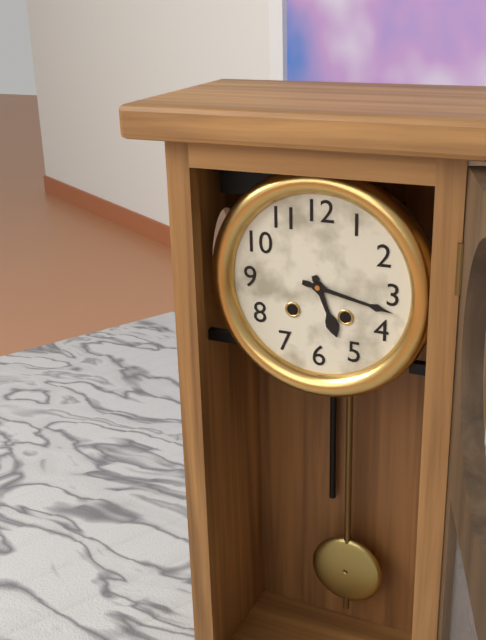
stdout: h=5 m=17
